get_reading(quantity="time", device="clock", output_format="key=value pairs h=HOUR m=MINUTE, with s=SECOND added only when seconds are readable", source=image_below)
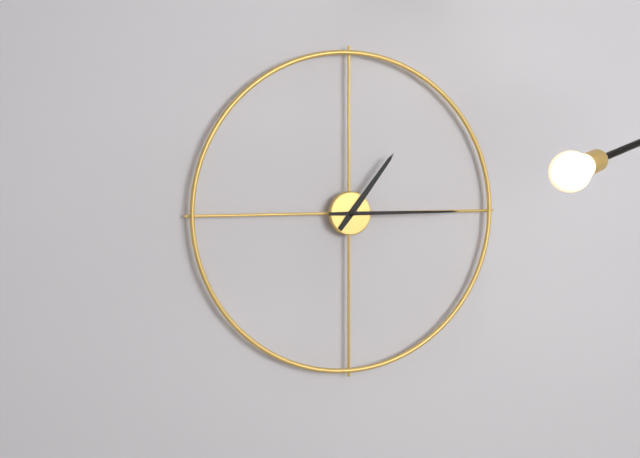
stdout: h=1 m=15
